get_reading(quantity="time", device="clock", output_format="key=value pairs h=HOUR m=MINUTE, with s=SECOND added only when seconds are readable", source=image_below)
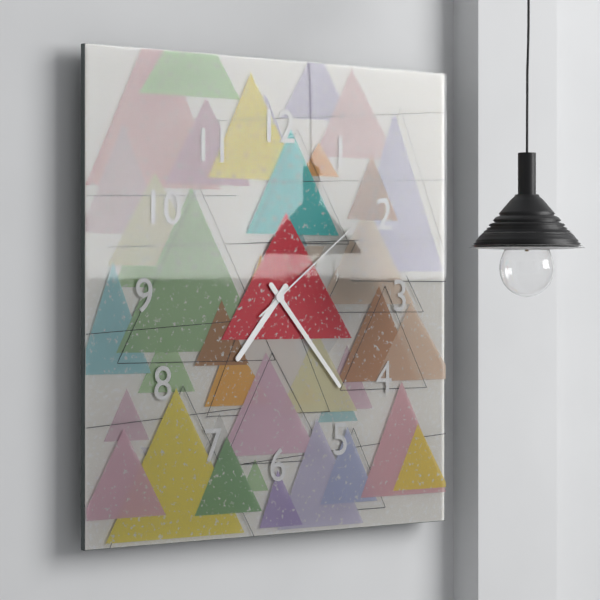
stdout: h=7 m=23 s=9
